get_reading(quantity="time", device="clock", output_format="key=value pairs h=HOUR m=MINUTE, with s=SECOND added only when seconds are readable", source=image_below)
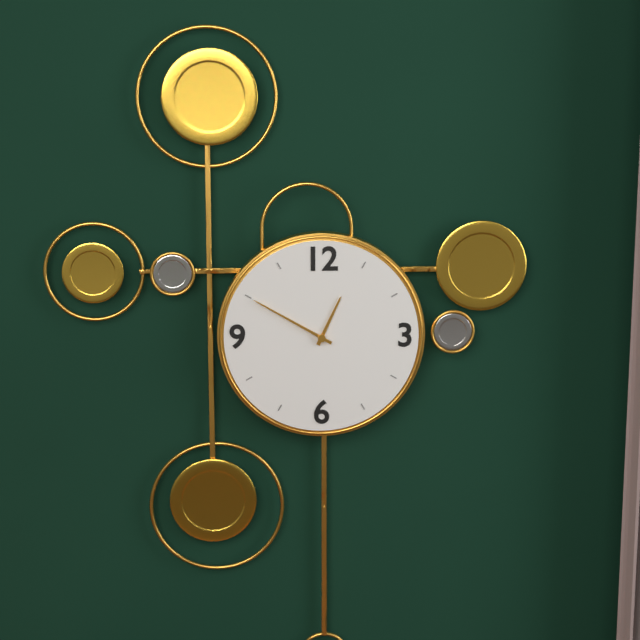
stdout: h=12 m=50
